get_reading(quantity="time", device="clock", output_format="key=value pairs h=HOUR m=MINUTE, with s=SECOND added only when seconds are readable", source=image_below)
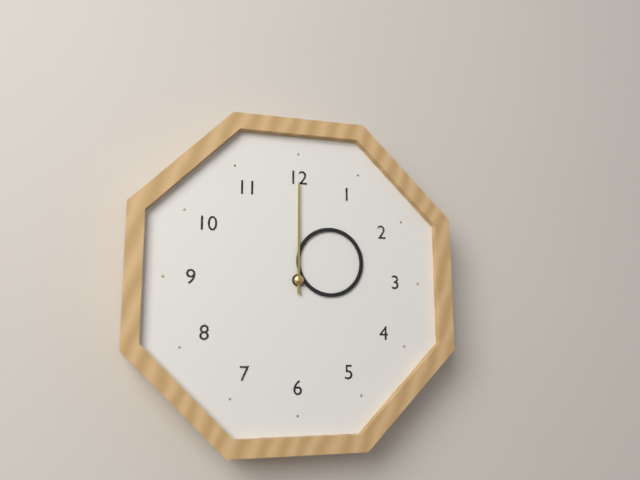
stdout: h=2 m=0
